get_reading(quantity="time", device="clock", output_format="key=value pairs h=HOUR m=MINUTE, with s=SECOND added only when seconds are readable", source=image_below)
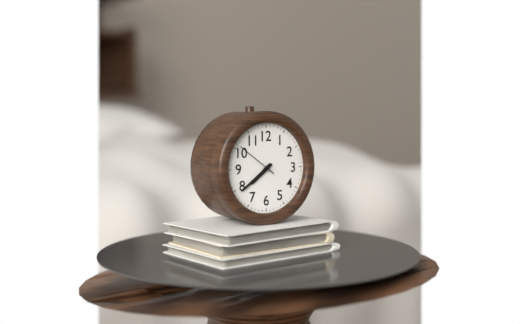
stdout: h=7 m=39
